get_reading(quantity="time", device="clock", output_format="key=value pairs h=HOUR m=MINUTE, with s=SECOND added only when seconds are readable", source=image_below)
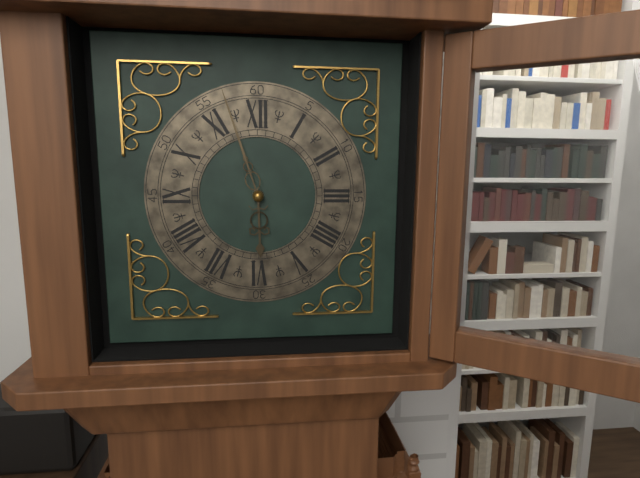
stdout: h=5 m=57
